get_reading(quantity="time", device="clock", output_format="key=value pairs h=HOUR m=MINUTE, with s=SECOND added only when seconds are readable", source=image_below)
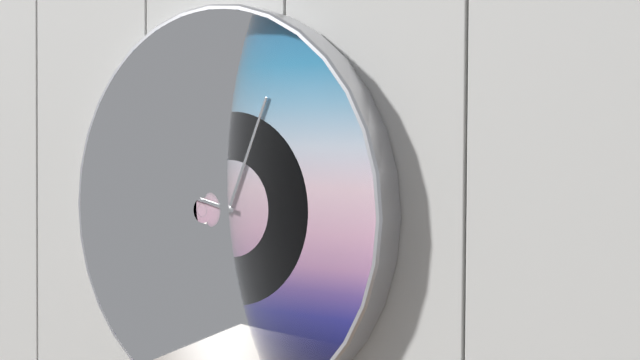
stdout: h=12 m=47
